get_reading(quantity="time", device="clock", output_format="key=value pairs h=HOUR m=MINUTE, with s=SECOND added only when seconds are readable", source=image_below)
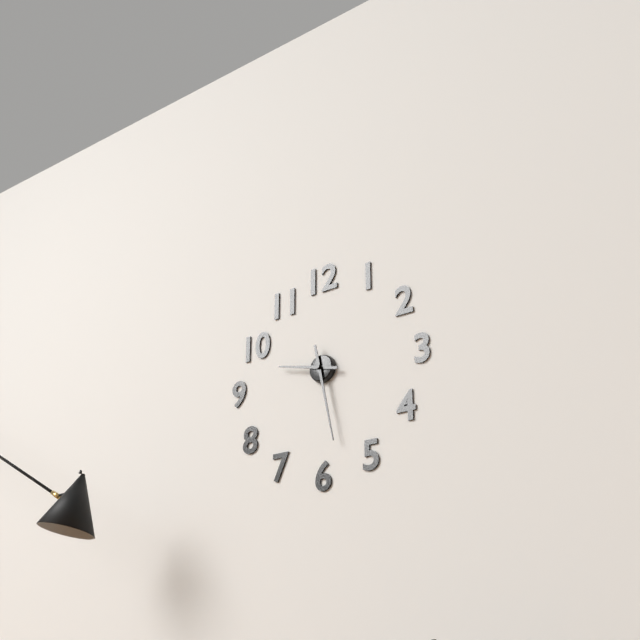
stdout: h=9 m=28
